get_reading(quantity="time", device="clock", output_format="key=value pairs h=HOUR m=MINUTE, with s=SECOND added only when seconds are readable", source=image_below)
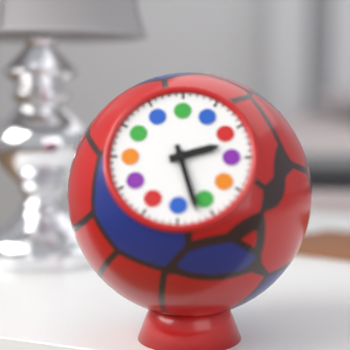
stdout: h=2 m=27
